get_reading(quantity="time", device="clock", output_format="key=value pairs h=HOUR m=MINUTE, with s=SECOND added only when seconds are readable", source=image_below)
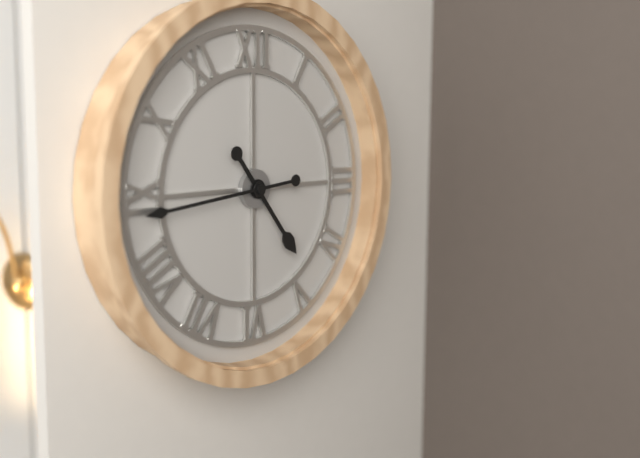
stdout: h=4 m=44
